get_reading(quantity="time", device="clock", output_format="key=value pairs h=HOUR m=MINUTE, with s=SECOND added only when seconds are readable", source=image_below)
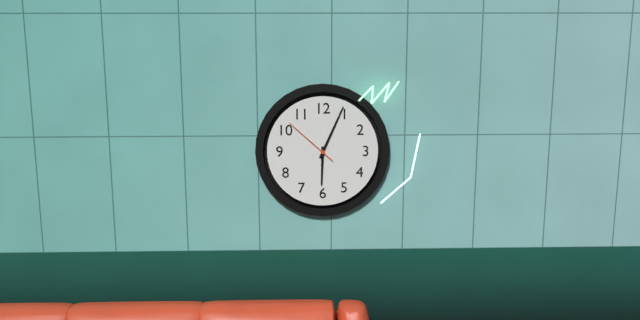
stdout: h=6 m=4 s=52
